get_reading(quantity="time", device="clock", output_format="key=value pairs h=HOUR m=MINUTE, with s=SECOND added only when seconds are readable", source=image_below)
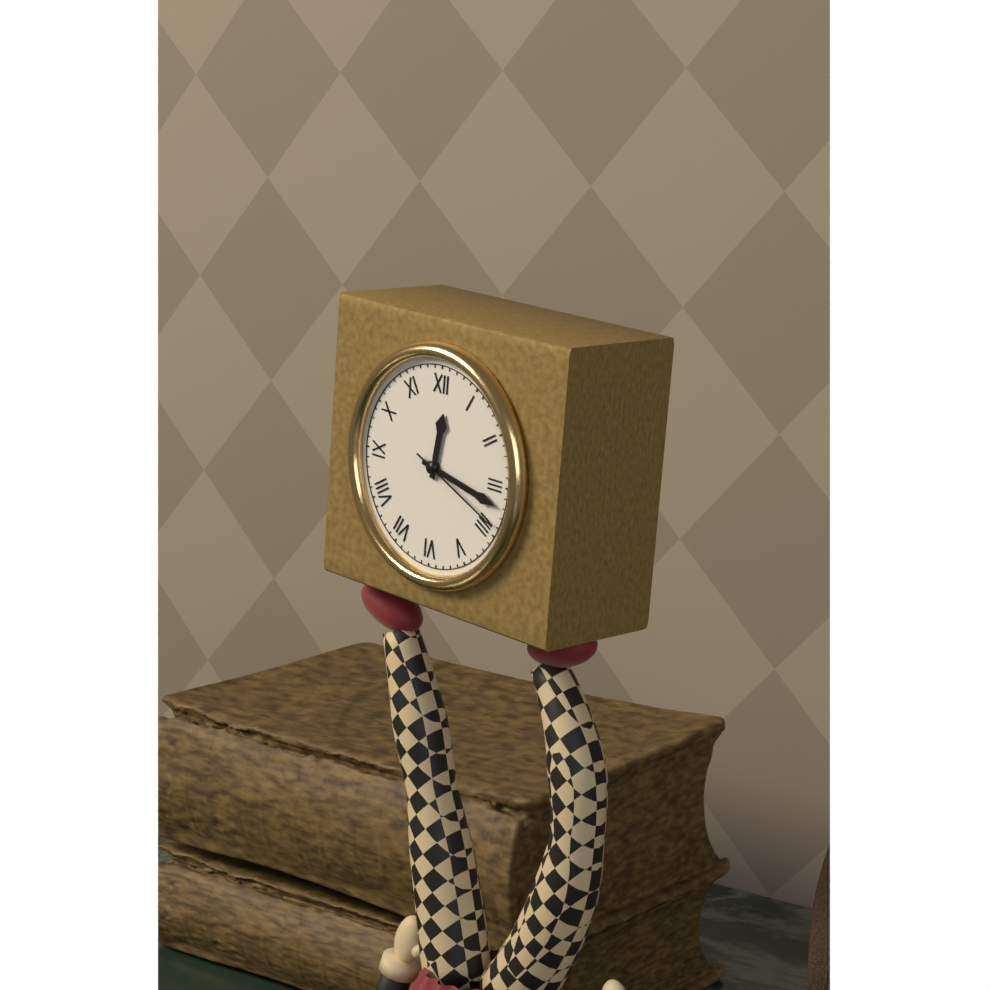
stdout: h=12 m=17 s=19
